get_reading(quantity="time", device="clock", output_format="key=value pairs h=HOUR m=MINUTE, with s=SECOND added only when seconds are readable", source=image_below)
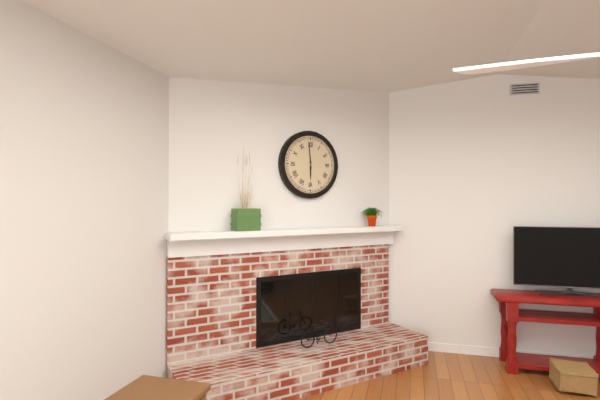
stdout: h=5 m=59
